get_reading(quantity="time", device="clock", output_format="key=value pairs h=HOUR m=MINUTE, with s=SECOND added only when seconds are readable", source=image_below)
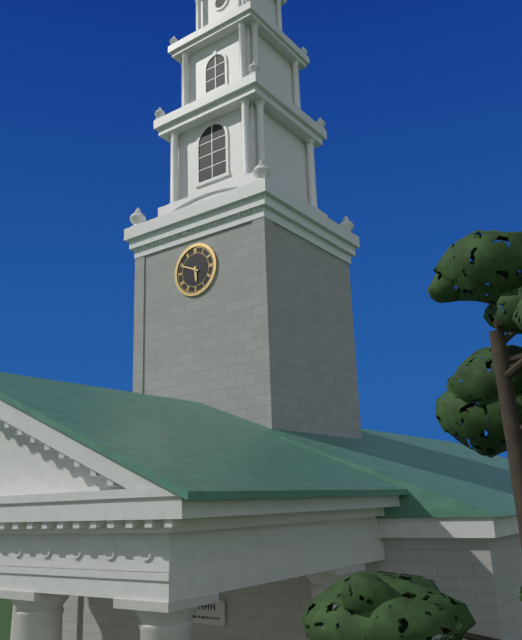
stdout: h=5 m=49
